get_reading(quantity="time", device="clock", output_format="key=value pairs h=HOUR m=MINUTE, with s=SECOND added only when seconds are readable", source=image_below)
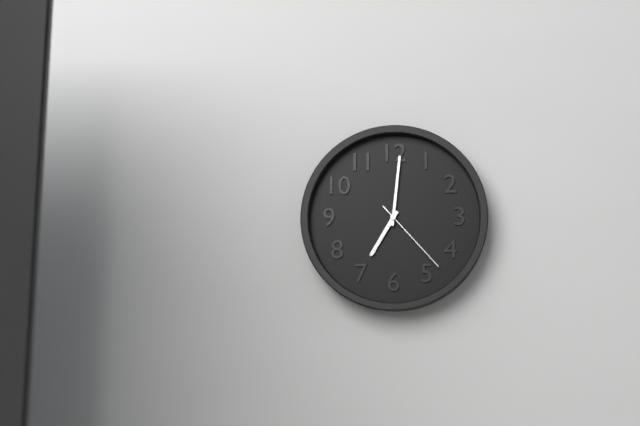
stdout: h=7 m=1 s=23
